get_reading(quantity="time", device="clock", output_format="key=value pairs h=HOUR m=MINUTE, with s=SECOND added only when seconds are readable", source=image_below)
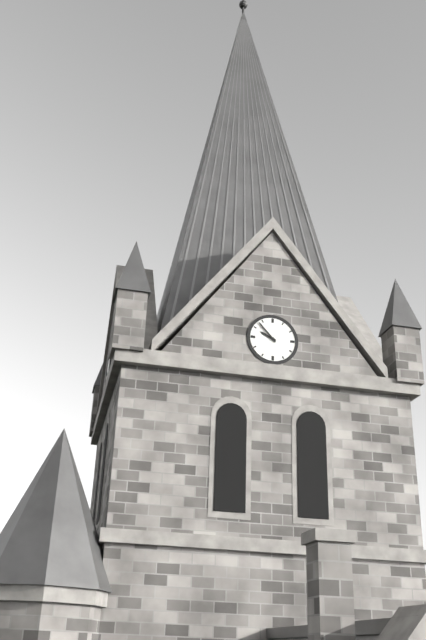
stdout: h=9 m=53
